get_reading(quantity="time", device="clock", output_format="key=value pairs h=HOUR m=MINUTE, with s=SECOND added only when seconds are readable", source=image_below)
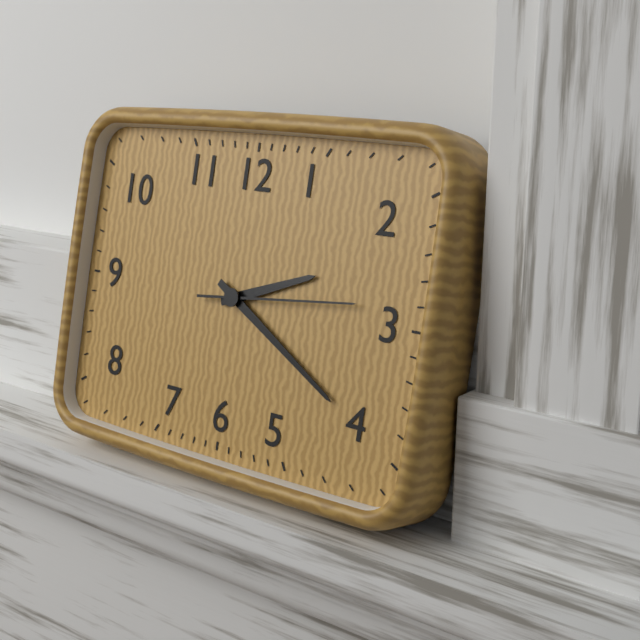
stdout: h=2 m=20 s=14
